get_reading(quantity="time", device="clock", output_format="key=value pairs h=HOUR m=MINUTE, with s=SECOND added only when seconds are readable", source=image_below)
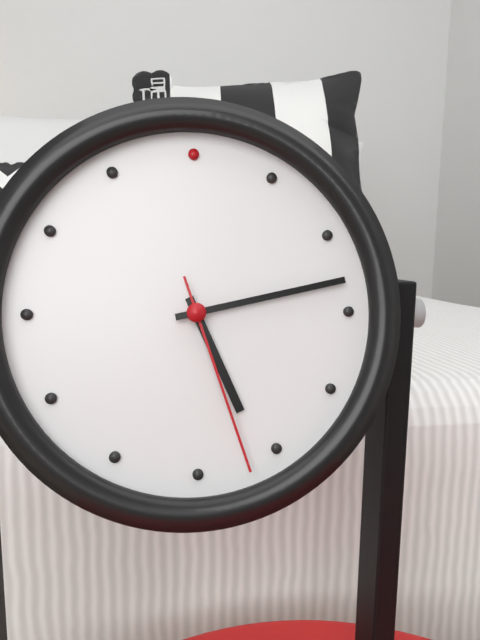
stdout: h=5 m=13 s=27
